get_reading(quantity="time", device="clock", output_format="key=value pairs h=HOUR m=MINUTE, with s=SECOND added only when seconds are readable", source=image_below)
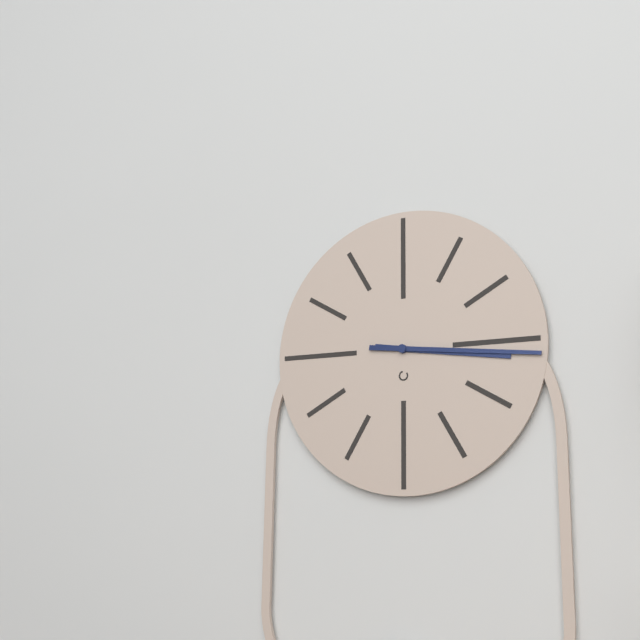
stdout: h=3 m=16
